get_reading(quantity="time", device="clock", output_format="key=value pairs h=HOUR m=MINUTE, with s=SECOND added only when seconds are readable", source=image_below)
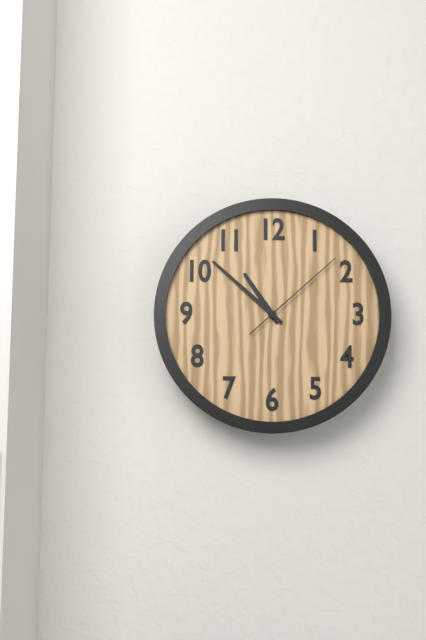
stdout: h=10 m=52 s=8
